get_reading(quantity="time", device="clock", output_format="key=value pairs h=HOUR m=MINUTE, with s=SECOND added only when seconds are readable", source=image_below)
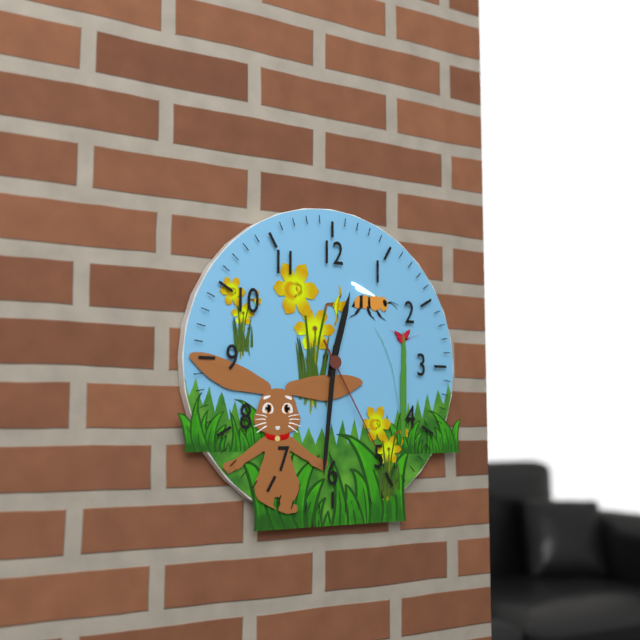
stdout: h=12 m=31 s=25
